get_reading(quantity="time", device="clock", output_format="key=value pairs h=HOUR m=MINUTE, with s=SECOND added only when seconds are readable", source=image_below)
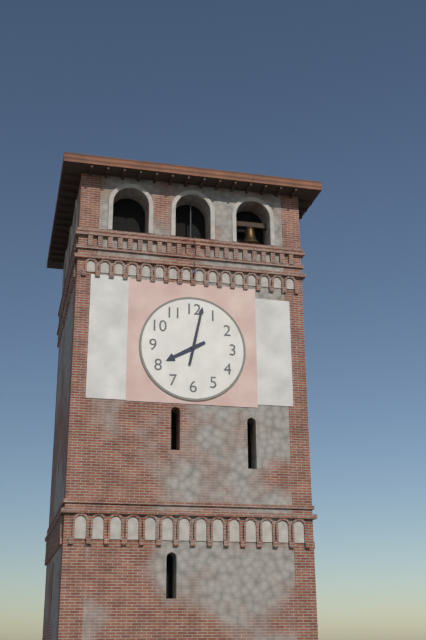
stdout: h=8 m=2
